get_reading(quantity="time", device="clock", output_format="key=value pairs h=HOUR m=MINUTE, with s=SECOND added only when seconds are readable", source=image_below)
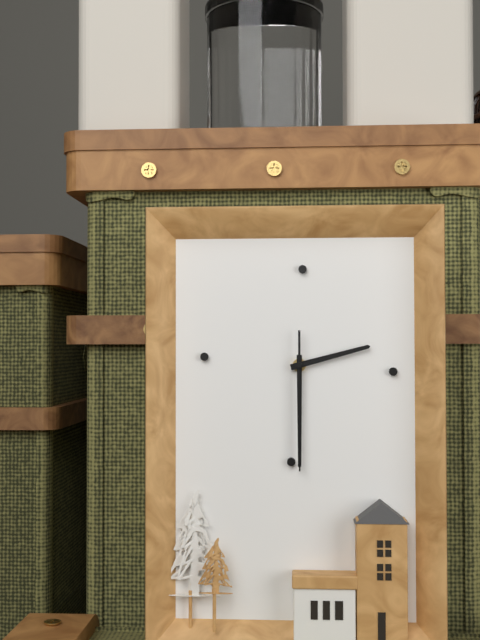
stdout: h=2 m=30 s=30
